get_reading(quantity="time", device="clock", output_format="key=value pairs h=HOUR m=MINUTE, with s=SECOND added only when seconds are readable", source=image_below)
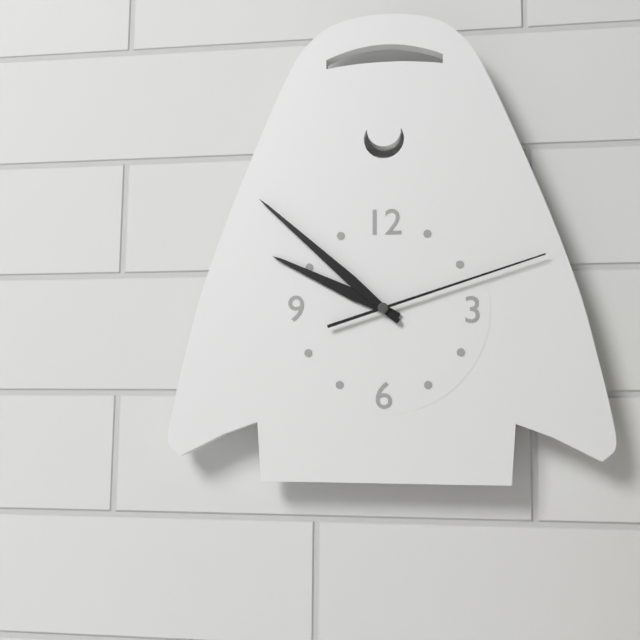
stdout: h=9 m=52 s=12
